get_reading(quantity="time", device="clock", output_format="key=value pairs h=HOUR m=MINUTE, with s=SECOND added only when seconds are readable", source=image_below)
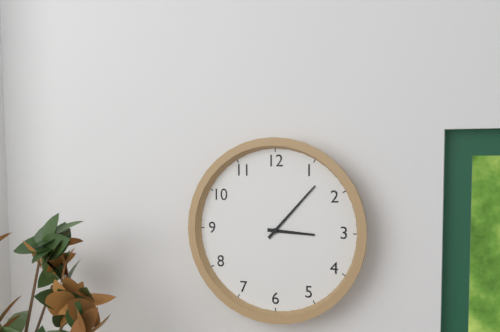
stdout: h=3 m=7
